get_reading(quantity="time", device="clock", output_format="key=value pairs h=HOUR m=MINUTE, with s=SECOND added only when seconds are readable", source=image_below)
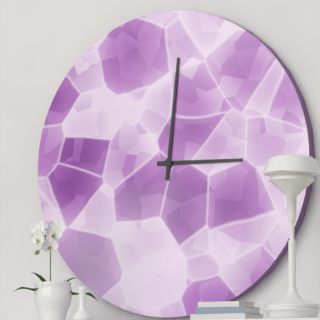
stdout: h=3 m=1
